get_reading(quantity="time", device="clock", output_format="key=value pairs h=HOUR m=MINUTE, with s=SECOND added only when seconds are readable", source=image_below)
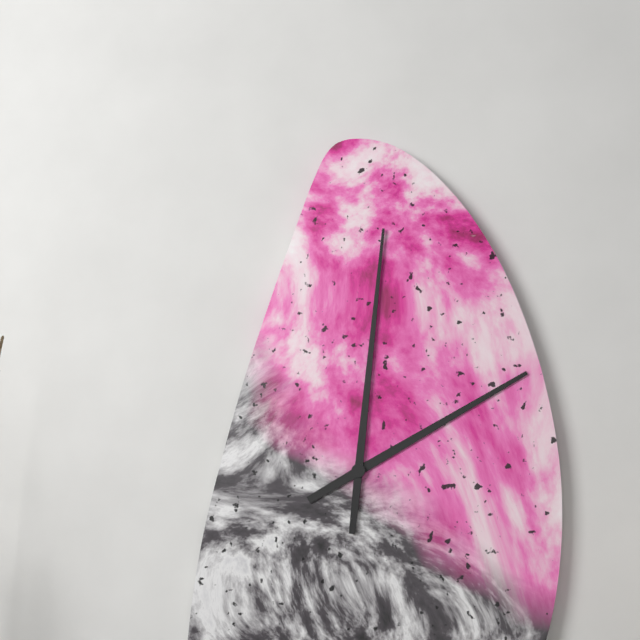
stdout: h=2 m=1
